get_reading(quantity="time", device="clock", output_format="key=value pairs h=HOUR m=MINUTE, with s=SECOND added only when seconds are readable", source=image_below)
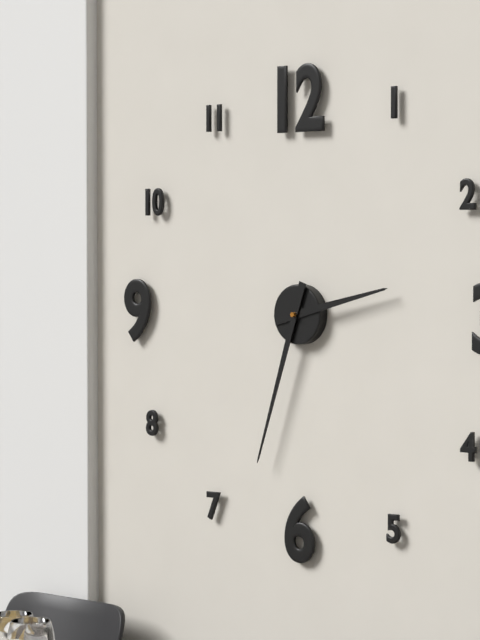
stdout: h=2 m=33
